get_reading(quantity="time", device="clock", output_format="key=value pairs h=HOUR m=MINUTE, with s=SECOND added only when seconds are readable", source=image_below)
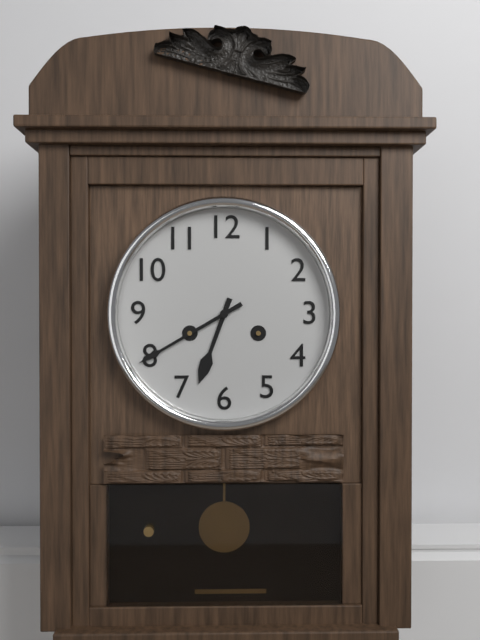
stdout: h=6 m=40
